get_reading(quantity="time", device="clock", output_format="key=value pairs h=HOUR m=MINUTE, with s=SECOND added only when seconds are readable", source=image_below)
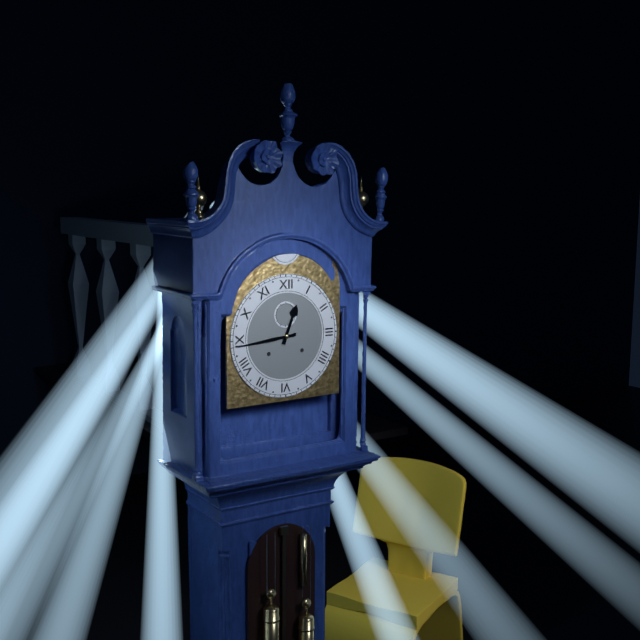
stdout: h=12 m=44
